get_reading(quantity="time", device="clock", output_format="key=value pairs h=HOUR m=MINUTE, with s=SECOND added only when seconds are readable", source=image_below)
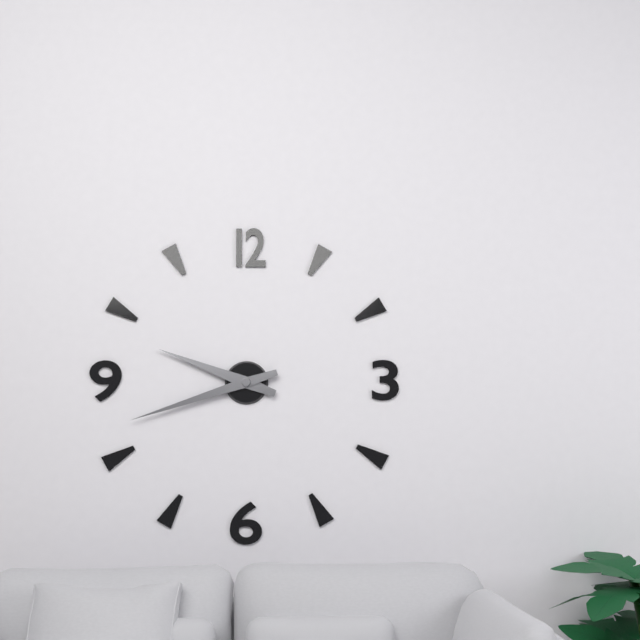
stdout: h=9 m=42
